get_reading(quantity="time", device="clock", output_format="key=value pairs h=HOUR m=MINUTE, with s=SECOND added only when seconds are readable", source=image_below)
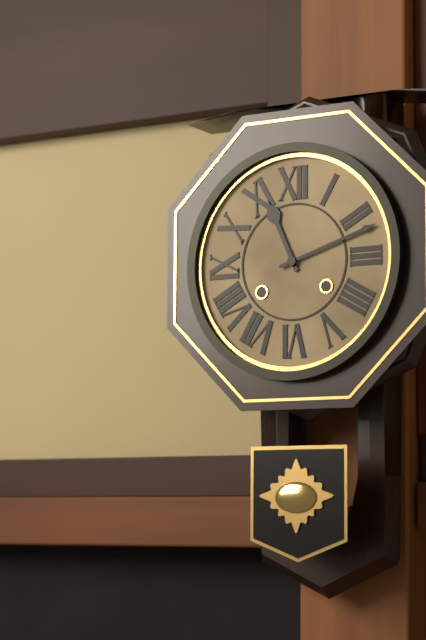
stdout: h=11 m=12
